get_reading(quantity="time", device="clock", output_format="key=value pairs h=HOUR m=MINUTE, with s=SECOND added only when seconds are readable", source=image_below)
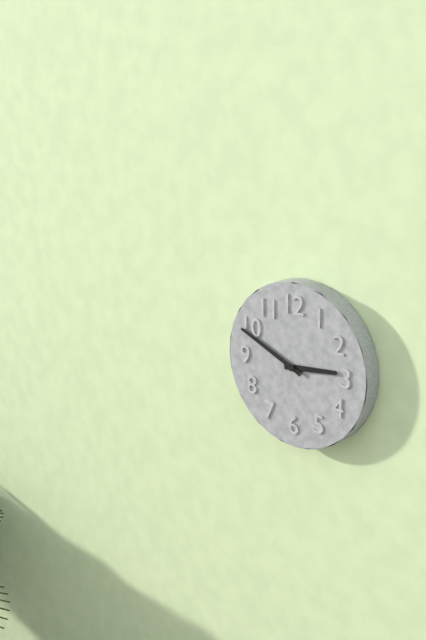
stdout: h=2 m=49
